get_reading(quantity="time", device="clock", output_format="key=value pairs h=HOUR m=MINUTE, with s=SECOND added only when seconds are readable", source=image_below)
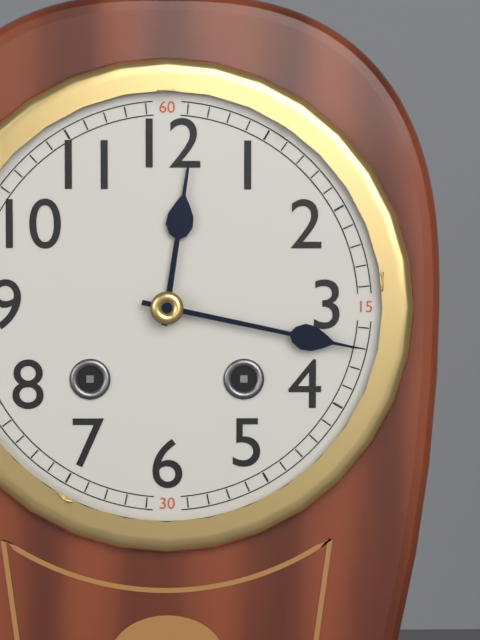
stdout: h=12 m=17
